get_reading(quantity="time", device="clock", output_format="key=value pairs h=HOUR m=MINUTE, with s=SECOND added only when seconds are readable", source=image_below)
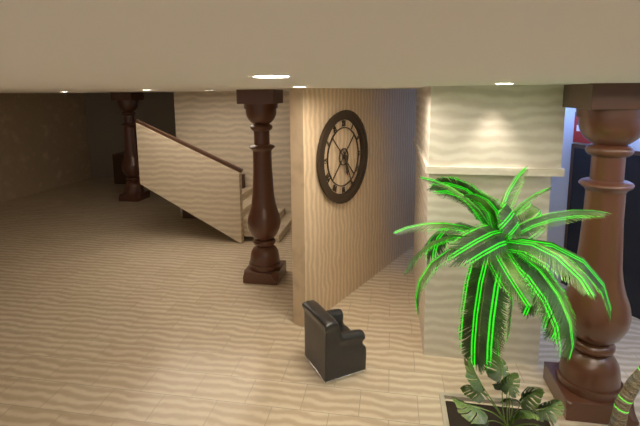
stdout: h=5 m=26
